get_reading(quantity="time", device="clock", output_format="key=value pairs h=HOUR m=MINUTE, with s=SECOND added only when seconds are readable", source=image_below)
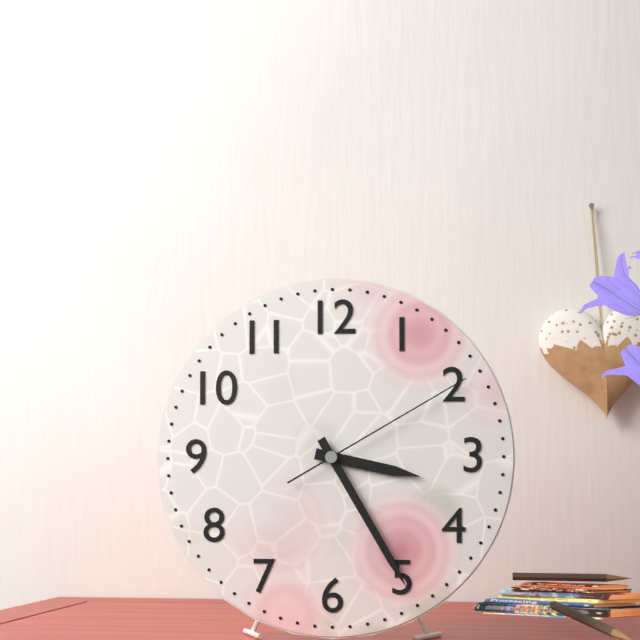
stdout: h=3 m=25 s=10
